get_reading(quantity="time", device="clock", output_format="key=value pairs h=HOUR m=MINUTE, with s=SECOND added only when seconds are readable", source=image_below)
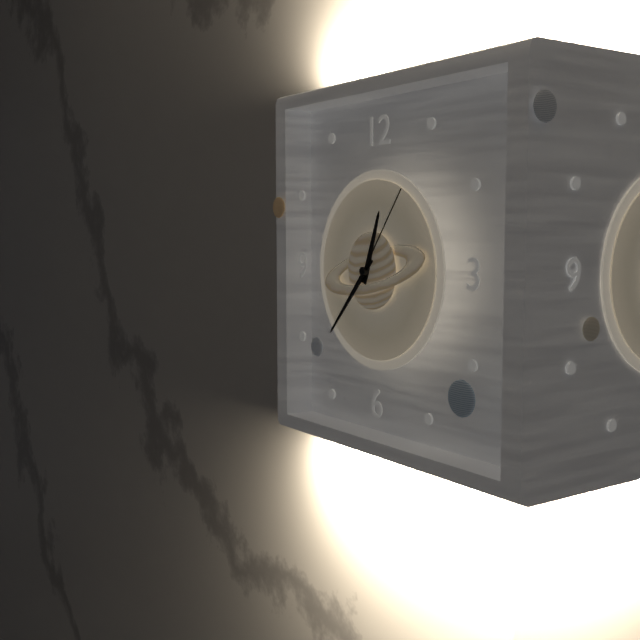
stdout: h=12 m=37 s=6
